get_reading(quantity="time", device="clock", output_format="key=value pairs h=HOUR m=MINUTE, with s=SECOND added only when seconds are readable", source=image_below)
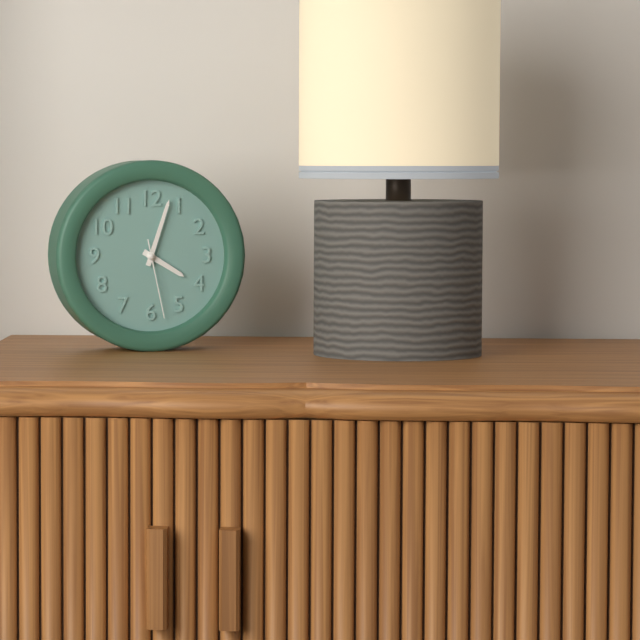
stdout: h=4 m=3 s=28
